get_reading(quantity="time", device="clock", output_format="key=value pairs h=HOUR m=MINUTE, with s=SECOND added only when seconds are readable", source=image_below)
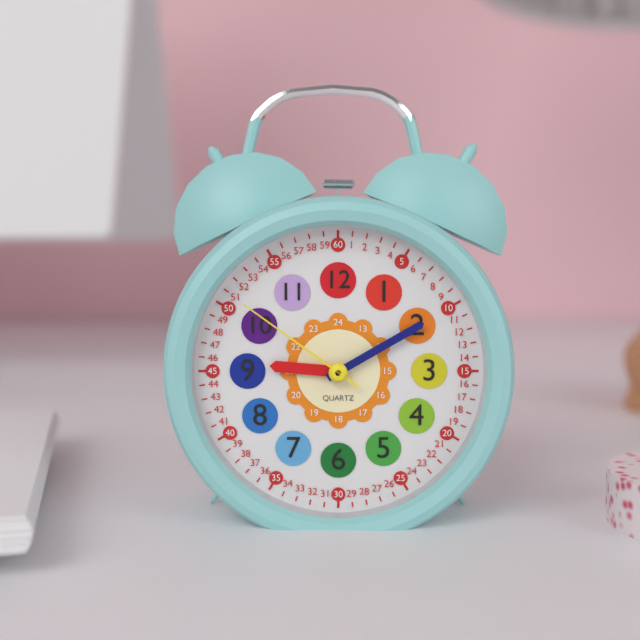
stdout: h=9 m=10 s=51
